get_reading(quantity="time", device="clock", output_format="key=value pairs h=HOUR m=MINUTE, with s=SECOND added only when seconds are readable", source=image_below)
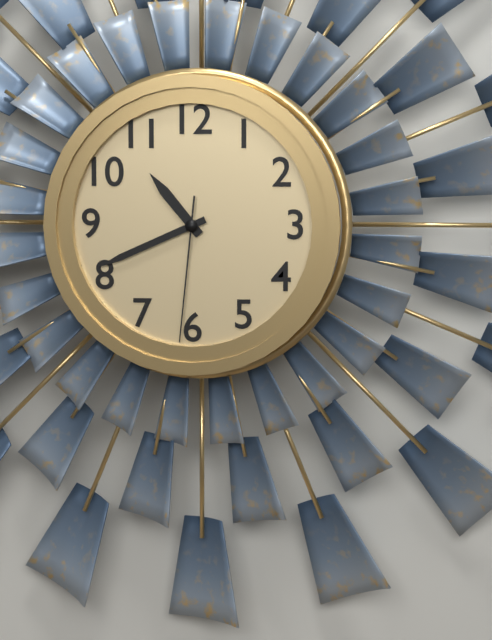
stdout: h=10 m=41 s=31
